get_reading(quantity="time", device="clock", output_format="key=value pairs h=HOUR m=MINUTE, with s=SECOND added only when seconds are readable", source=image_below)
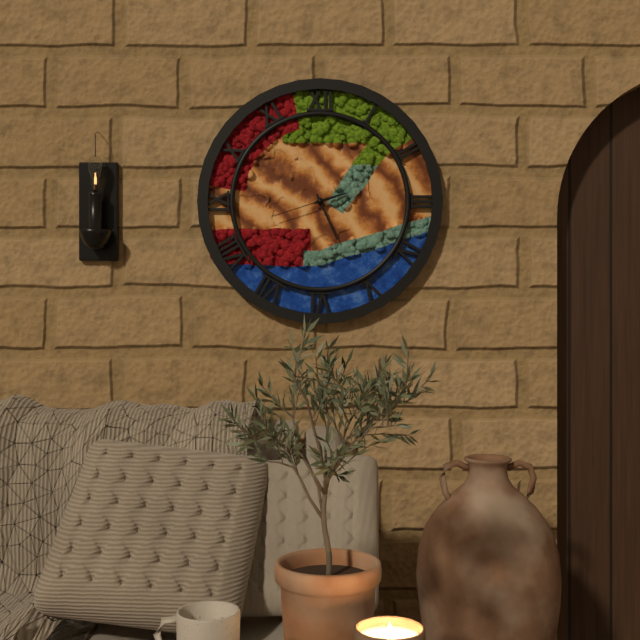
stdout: h=2 m=26 s=42
